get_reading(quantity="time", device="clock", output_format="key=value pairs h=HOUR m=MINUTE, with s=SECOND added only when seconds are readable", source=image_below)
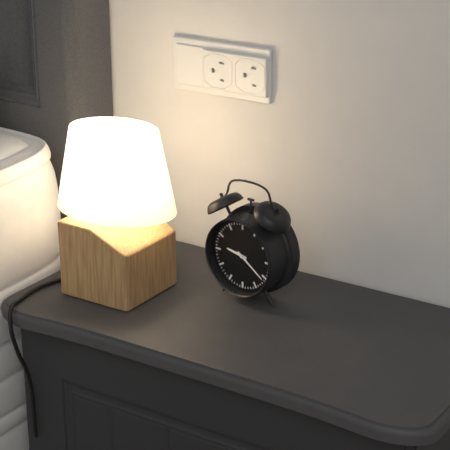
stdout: h=9 m=21
